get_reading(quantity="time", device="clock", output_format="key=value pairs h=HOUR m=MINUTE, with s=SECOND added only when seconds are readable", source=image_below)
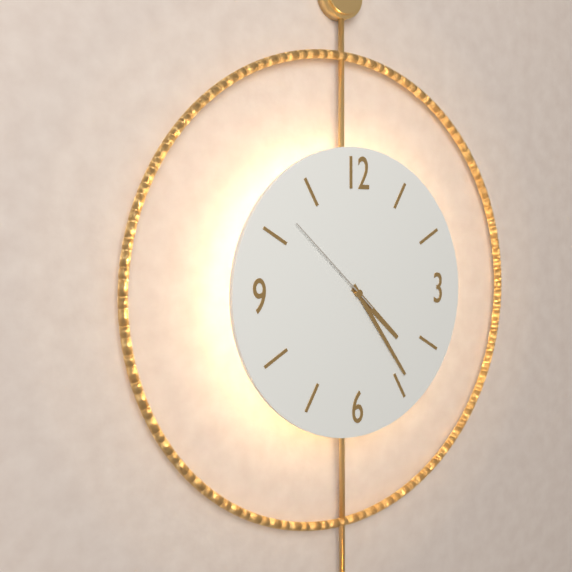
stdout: h=4 m=24 s=52
